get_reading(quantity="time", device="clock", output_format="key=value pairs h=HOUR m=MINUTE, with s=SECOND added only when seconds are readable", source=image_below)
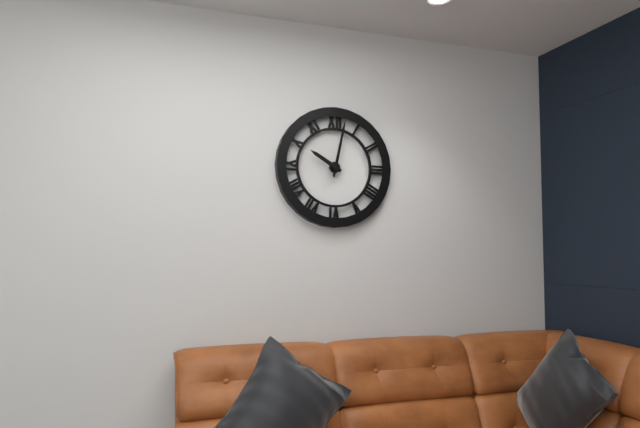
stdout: h=10 m=2
